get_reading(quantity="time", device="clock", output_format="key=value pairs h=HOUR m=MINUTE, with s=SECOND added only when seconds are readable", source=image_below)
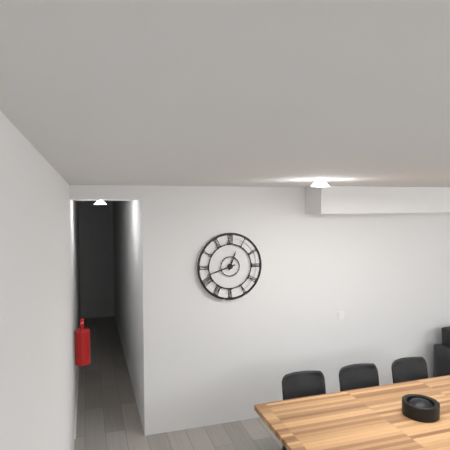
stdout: h=12 m=42
